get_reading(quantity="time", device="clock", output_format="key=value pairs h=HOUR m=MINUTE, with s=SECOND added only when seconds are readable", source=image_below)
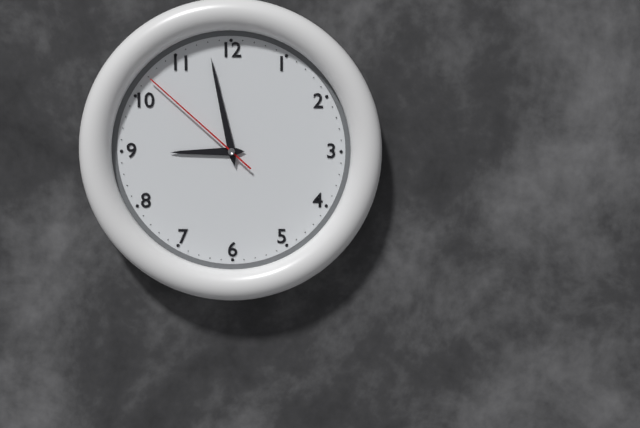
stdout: h=8 m=58 s=52
